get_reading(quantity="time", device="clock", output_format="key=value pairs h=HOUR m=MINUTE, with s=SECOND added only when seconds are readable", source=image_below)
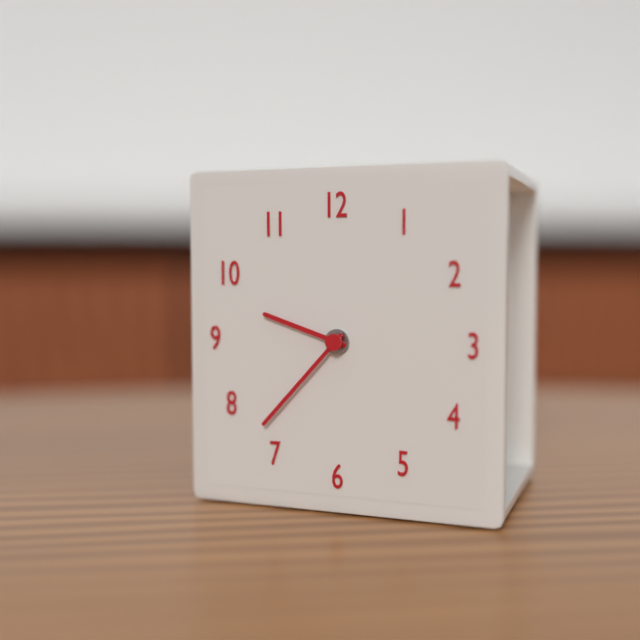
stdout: h=9 m=37
